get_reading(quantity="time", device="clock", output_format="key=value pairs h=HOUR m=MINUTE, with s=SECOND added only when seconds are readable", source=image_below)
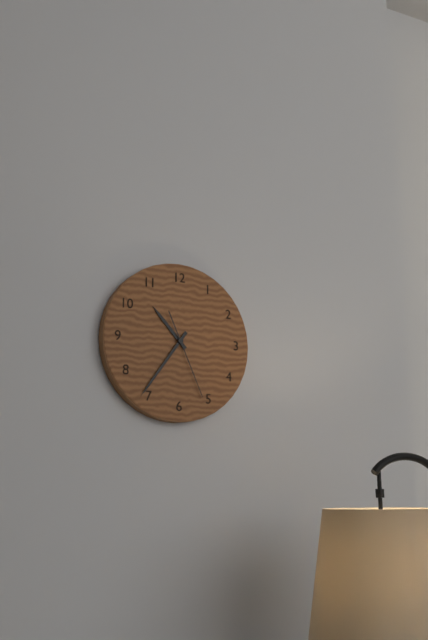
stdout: h=10 m=36 s=26
